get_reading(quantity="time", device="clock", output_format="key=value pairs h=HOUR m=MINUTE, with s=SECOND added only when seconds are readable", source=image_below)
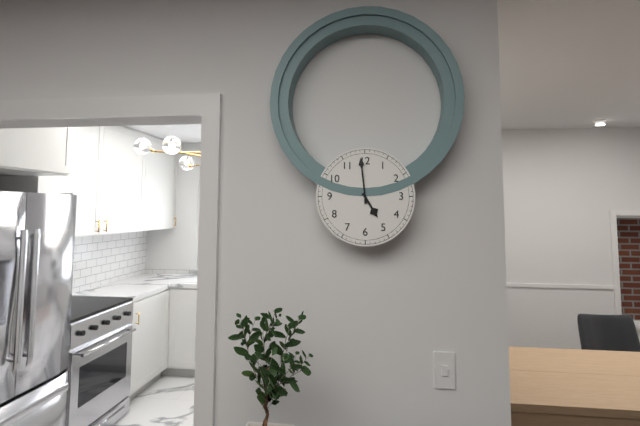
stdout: h=4 m=59
